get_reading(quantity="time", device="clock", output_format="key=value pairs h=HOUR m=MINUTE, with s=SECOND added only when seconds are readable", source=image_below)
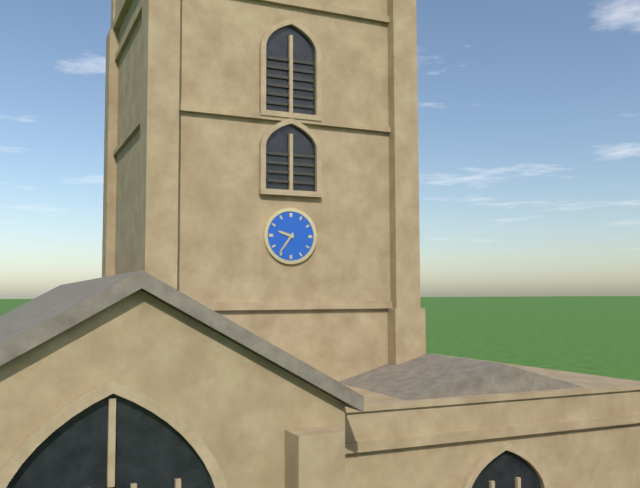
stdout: h=9 m=36
